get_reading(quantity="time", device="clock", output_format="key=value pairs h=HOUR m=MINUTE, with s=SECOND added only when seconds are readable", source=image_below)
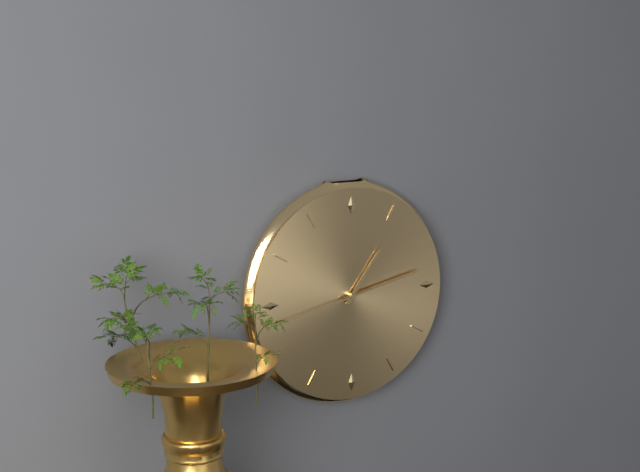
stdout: h=1 m=13 s=43
